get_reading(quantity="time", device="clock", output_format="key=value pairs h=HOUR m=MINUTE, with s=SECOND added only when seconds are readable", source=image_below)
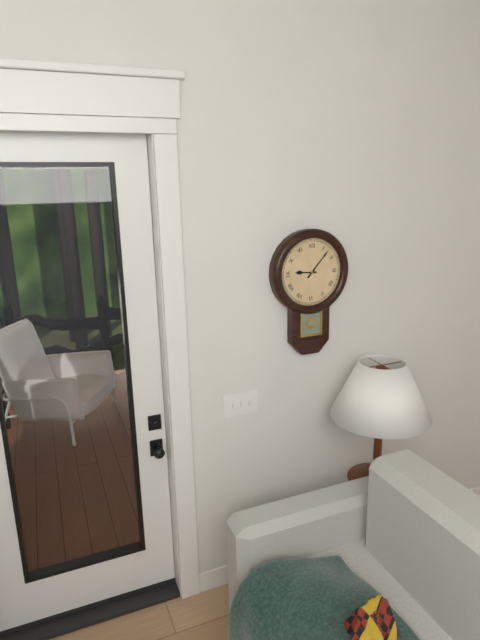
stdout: h=9 m=7
